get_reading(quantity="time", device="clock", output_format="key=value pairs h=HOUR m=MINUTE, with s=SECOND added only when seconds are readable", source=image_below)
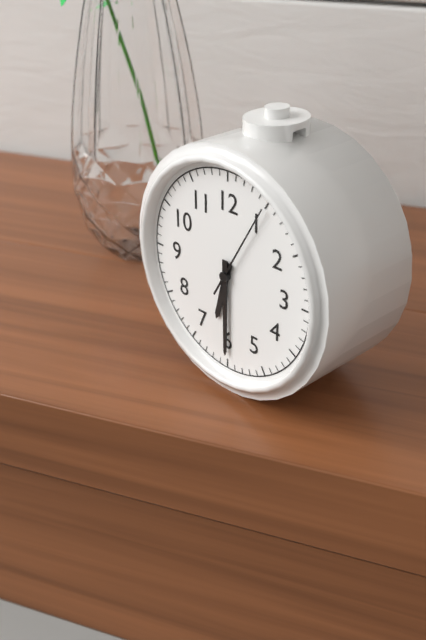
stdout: h=6 m=30 s=5
